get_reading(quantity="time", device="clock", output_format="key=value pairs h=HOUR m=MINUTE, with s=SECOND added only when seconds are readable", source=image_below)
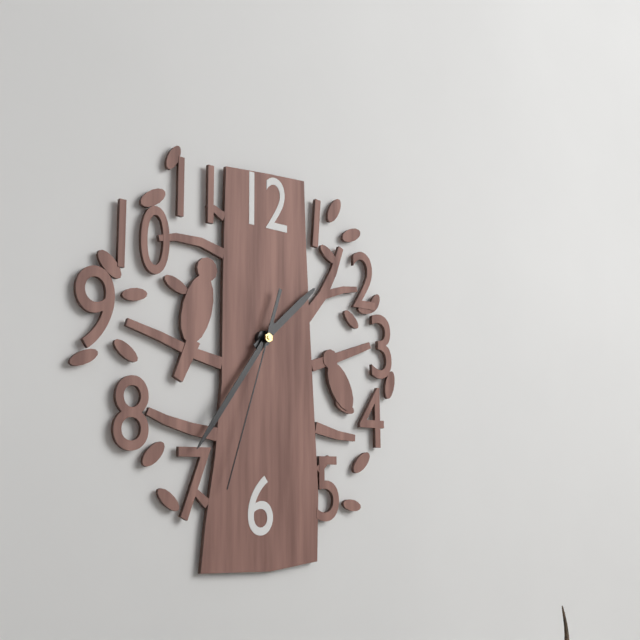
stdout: h=1 m=36 s=33
